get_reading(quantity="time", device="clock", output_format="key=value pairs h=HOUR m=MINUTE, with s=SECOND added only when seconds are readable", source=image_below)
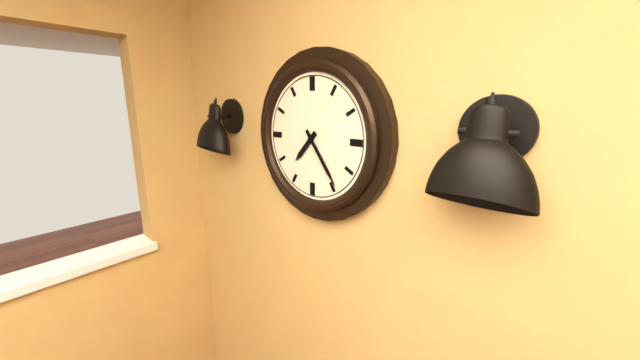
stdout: h=7 m=24
